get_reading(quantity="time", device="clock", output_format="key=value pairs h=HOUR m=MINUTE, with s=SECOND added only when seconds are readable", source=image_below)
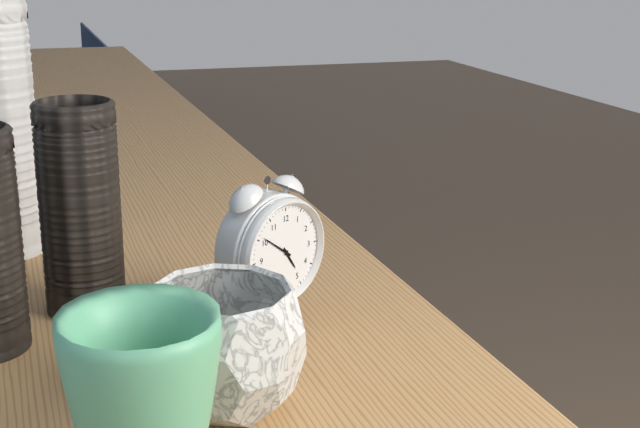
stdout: h=4 m=51
